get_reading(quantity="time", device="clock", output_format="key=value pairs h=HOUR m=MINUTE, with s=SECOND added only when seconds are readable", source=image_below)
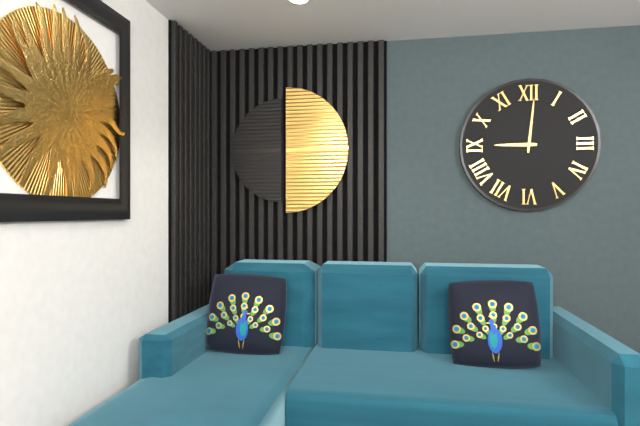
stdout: h=9 m=1
